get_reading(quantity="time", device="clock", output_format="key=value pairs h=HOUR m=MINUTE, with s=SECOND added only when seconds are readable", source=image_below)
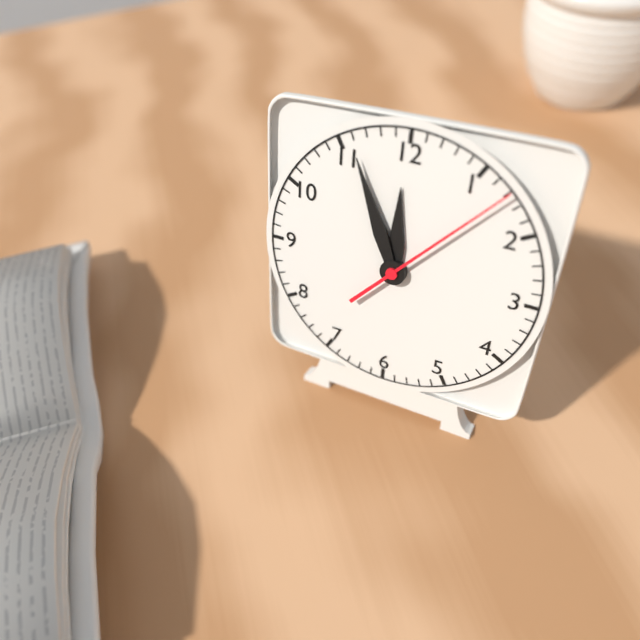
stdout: h=11 m=56 s=7
